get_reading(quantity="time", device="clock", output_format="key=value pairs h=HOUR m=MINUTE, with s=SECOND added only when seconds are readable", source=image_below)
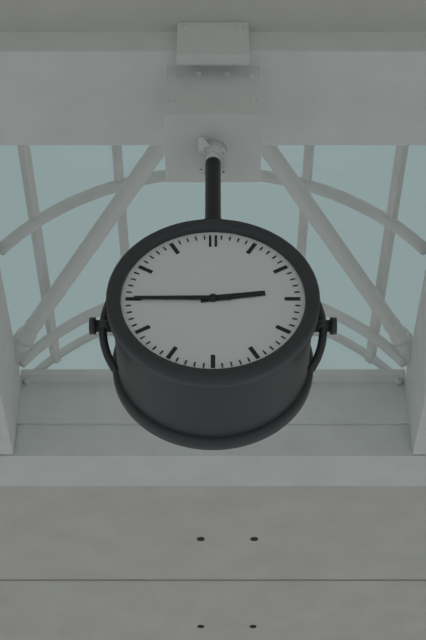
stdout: h=2 m=45
